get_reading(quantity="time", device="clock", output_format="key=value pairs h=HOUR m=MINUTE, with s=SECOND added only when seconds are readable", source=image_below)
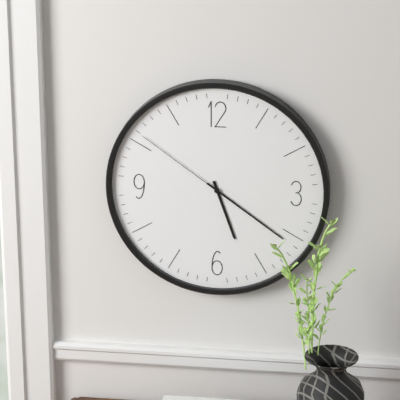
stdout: h=5 m=21 s=51
